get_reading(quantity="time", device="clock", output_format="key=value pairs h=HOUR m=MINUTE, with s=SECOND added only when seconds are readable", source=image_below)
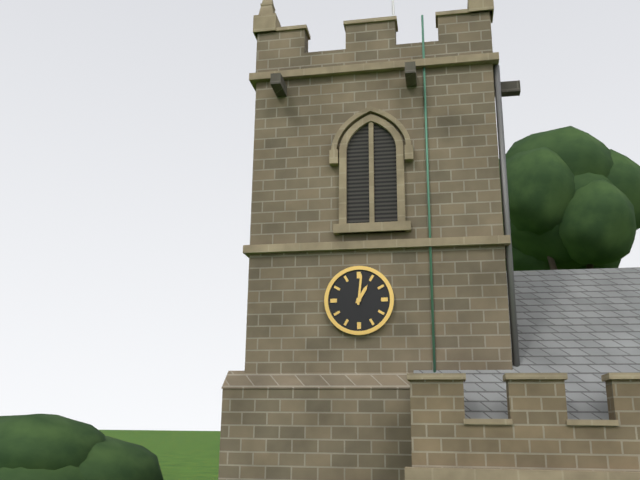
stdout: h=1 m=1
